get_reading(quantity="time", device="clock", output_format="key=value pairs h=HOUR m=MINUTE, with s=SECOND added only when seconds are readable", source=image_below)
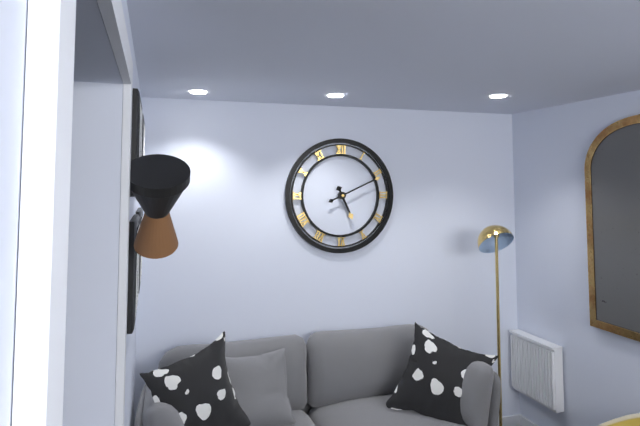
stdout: h=5 m=11
